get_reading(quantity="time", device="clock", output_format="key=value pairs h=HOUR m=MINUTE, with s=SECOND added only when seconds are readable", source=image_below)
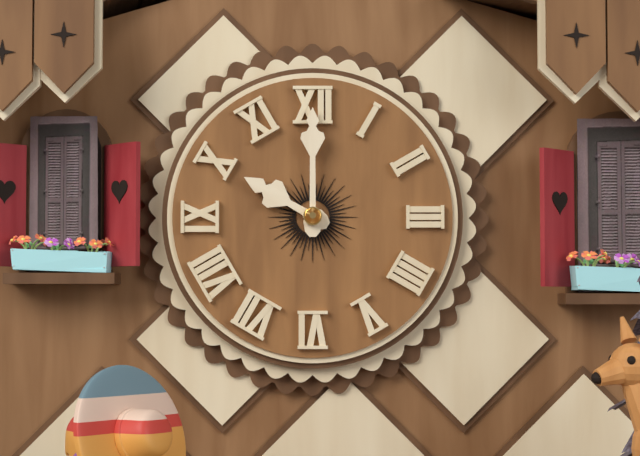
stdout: h=10 m=0
